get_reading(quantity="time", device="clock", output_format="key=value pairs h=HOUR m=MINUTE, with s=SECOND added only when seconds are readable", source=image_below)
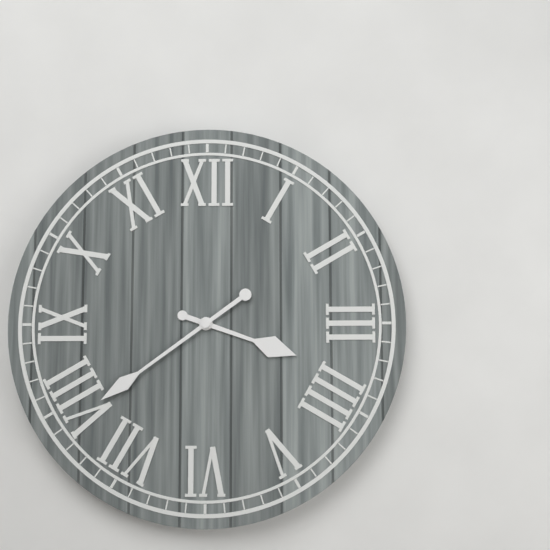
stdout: h=3 m=39
